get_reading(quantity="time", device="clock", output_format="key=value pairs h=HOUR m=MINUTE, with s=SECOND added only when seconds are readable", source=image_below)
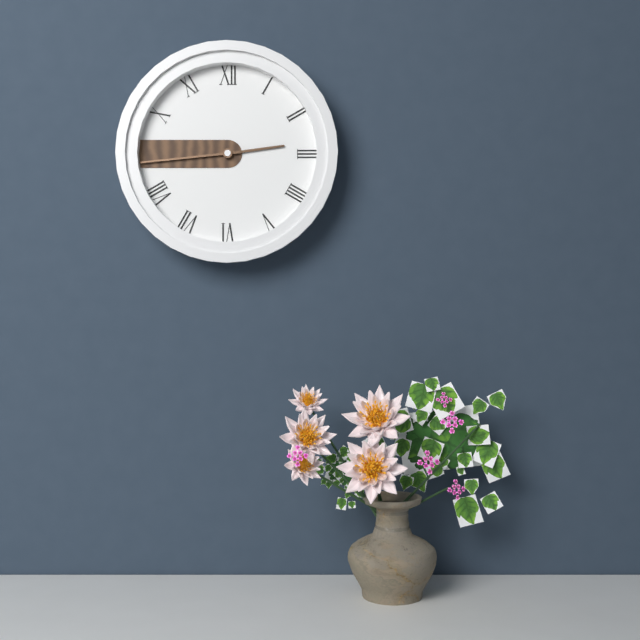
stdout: h=2 m=44
